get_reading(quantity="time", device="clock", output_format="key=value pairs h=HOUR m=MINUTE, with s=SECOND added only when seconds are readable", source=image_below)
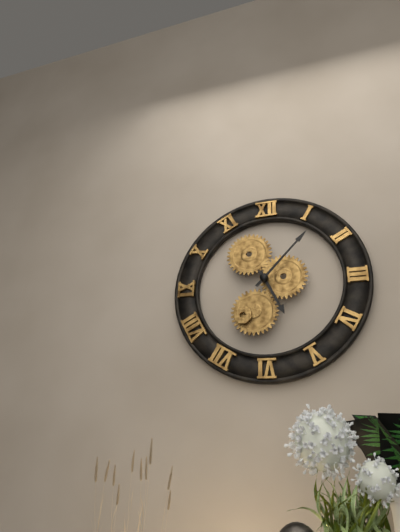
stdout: h=5 m=7
